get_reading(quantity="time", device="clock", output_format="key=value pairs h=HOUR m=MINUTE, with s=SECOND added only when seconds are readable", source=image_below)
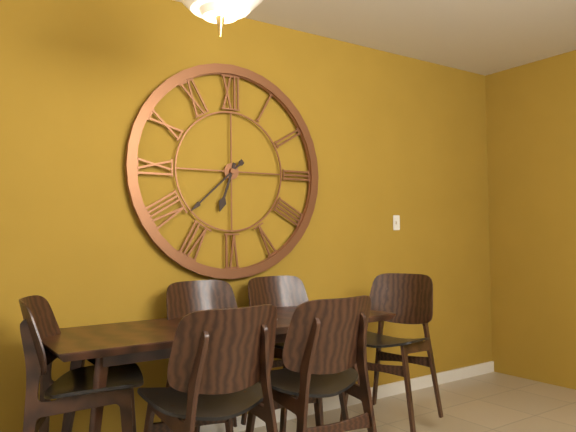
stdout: h=6 m=38
